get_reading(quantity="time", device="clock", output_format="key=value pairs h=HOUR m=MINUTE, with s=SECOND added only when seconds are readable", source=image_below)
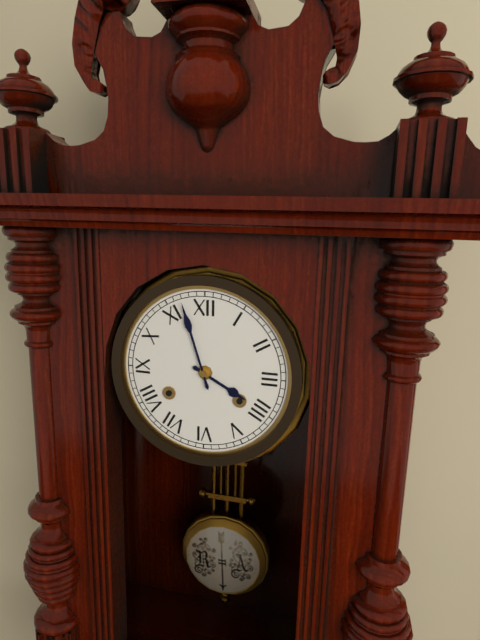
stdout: h=3 m=57
